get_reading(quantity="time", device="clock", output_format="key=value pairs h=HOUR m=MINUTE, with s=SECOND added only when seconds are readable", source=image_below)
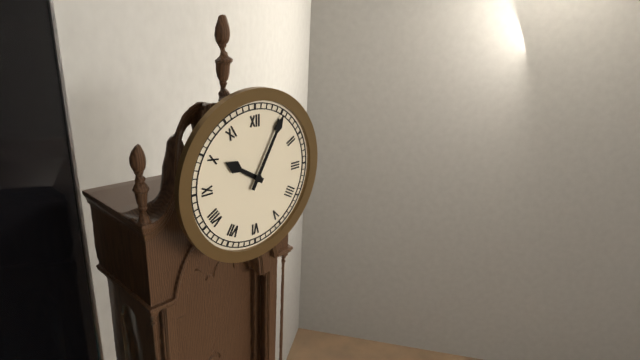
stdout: h=10 m=5
